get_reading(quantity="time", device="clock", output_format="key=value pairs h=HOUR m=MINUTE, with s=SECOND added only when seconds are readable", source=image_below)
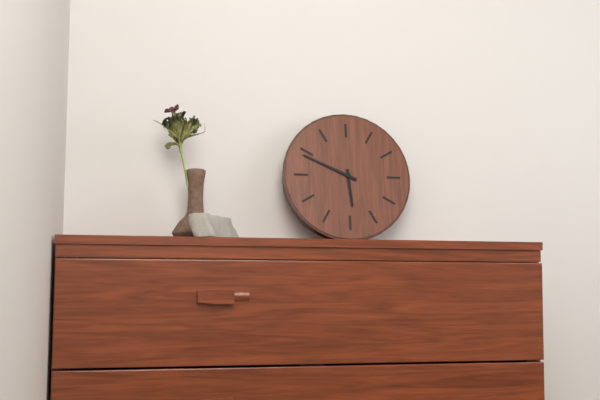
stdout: h=5 m=49
